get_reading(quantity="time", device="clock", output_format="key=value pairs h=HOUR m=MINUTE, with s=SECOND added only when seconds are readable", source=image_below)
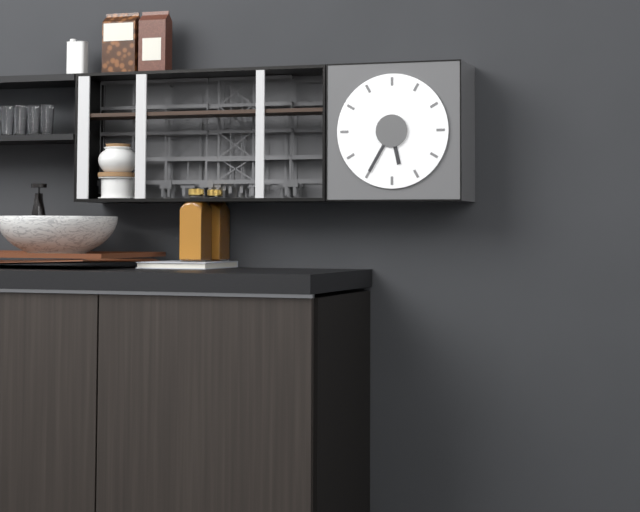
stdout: h=5 m=35
